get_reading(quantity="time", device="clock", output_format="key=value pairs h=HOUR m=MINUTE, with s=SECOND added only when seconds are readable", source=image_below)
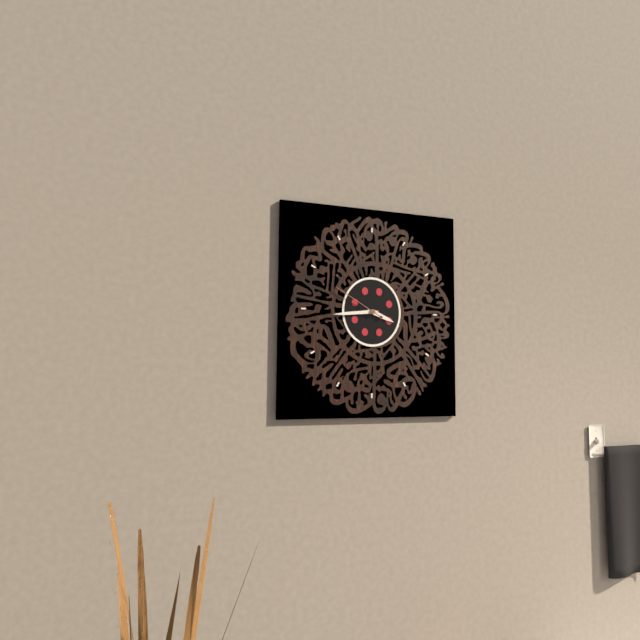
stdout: h=3 m=44 s=50
